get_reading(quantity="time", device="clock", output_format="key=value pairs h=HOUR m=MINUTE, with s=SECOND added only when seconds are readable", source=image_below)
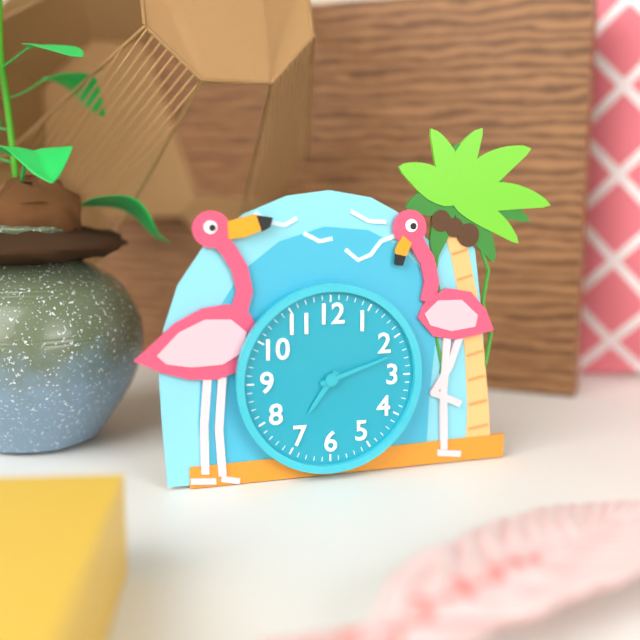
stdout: h=7 m=12
